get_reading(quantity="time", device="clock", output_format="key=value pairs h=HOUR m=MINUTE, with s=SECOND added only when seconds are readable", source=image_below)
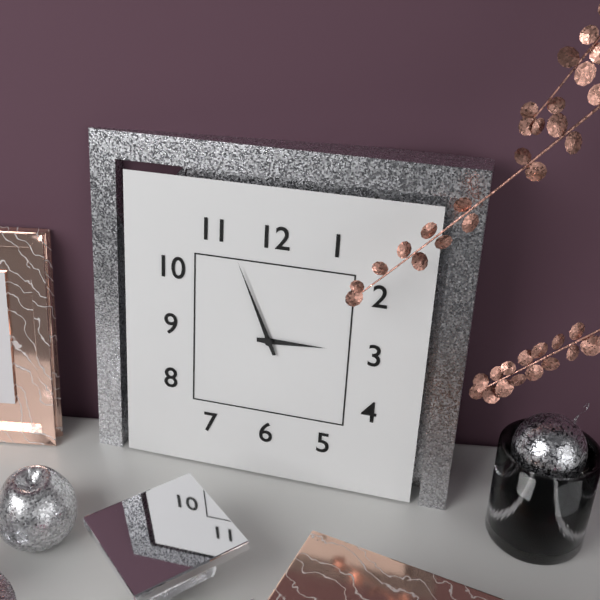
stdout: h=2 m=56
